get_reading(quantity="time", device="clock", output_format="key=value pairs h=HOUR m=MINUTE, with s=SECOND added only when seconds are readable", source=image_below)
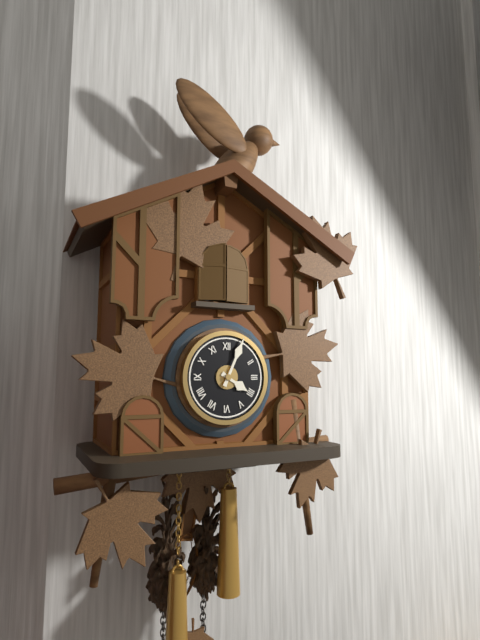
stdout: h=4 m=4
